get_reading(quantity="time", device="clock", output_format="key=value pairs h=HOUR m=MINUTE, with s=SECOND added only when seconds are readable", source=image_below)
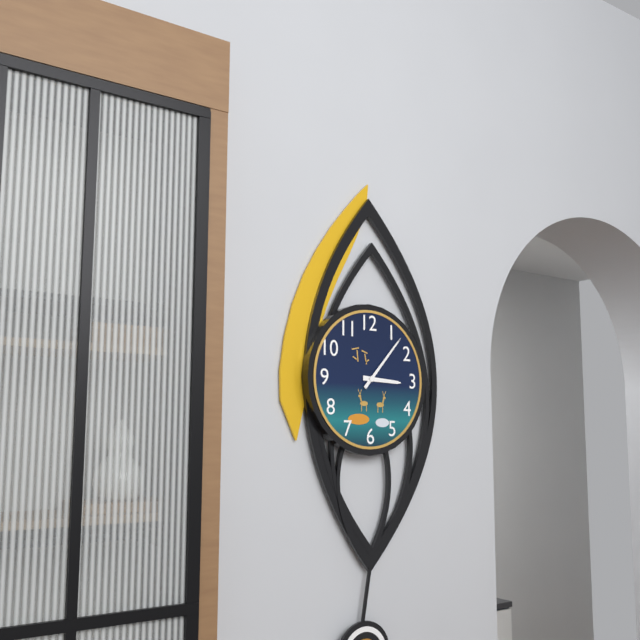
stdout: h=3 m=7
